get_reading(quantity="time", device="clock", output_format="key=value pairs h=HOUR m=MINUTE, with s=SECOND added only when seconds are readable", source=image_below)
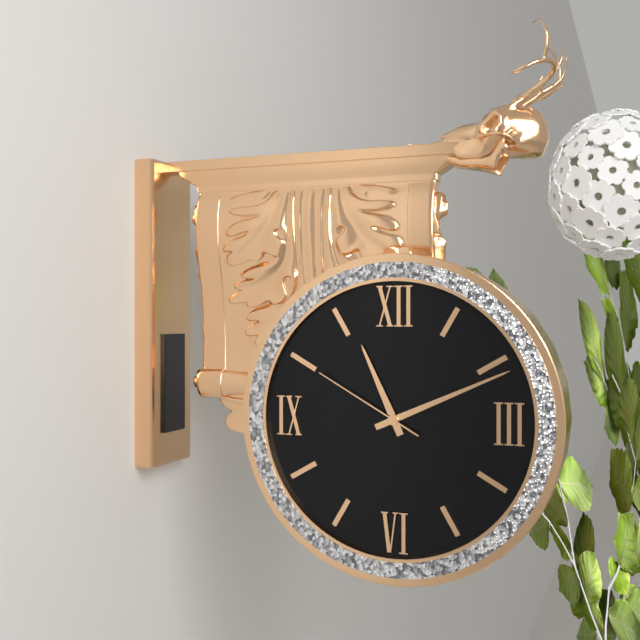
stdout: h=11 m=11 s=50
